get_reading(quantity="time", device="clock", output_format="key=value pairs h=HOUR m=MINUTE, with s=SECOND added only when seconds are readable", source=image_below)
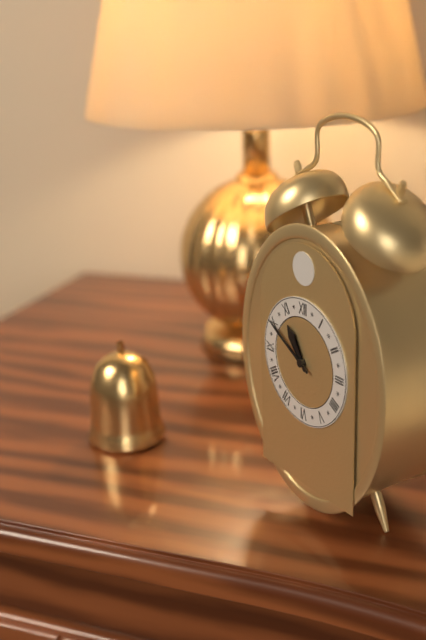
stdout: h=10 m=50
